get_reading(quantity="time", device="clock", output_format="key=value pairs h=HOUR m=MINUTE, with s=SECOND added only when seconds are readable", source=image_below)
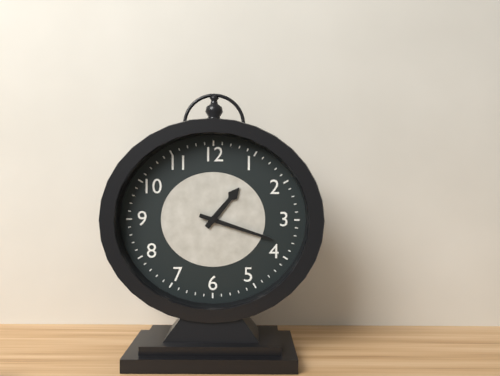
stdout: h=1 m=18
